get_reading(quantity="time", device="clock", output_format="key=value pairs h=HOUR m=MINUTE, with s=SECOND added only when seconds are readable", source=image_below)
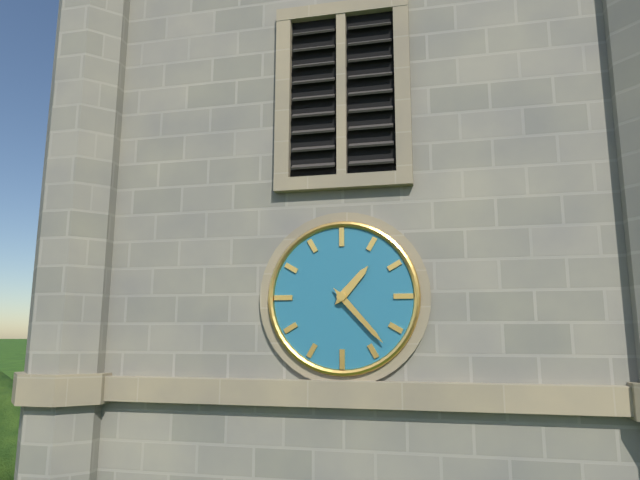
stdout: h=1 m=23
